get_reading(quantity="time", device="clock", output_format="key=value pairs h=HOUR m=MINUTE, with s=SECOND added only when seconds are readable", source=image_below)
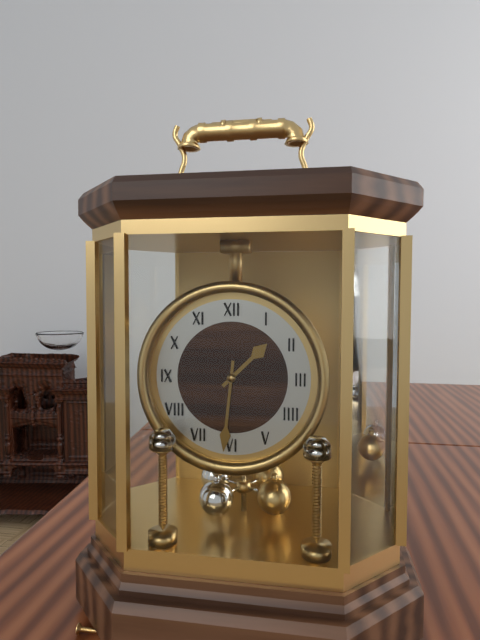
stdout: h=1 m=31
